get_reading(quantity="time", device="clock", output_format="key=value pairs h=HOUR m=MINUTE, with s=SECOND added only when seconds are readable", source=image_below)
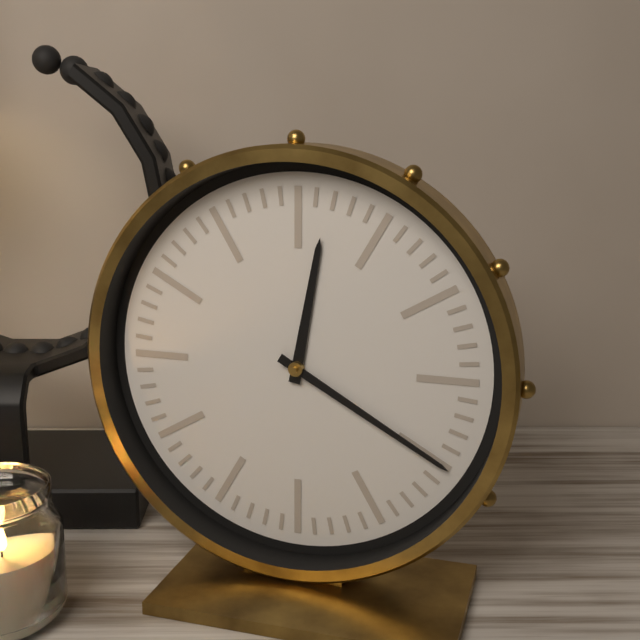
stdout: h=12 m=20
